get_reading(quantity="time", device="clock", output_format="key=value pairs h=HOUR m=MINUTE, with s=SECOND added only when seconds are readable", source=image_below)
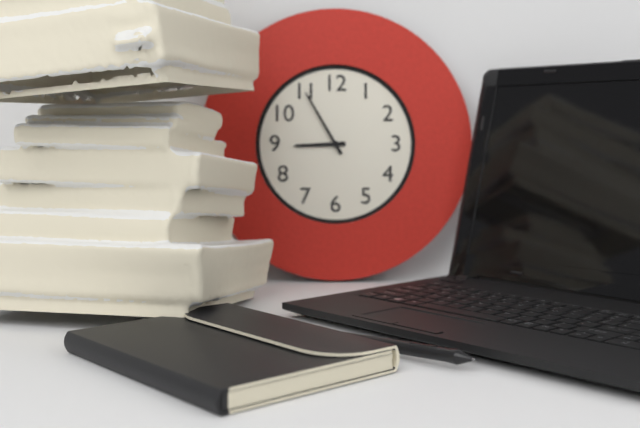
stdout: h=8 m=55
